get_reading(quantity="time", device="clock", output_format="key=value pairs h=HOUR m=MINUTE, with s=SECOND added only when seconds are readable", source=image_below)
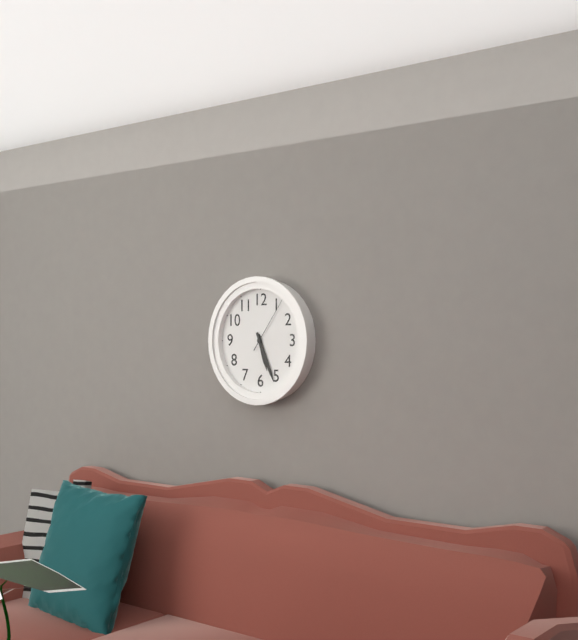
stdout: h=5 m=26 s=6
